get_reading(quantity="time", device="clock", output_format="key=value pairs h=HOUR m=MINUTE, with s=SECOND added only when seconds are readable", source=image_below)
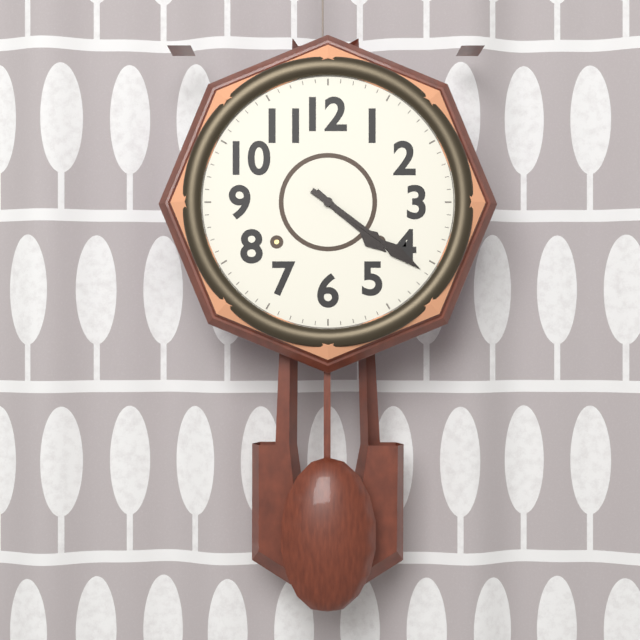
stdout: h=4 m=21
